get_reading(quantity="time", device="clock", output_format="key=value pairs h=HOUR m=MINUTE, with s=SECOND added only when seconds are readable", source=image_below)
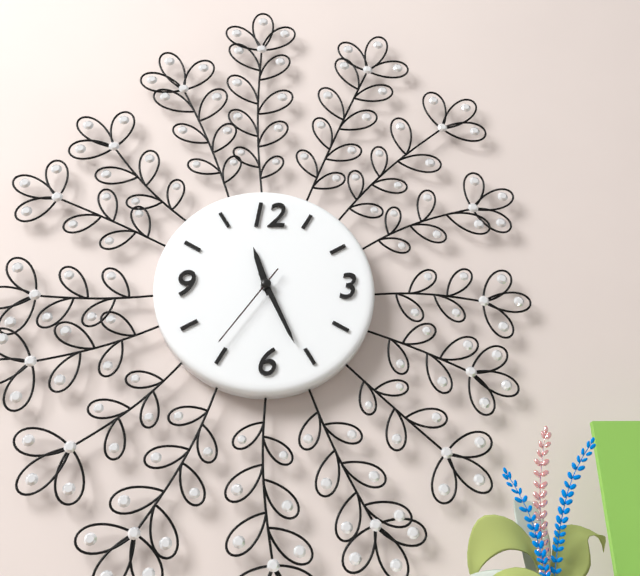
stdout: h=11 m=26 s=36
